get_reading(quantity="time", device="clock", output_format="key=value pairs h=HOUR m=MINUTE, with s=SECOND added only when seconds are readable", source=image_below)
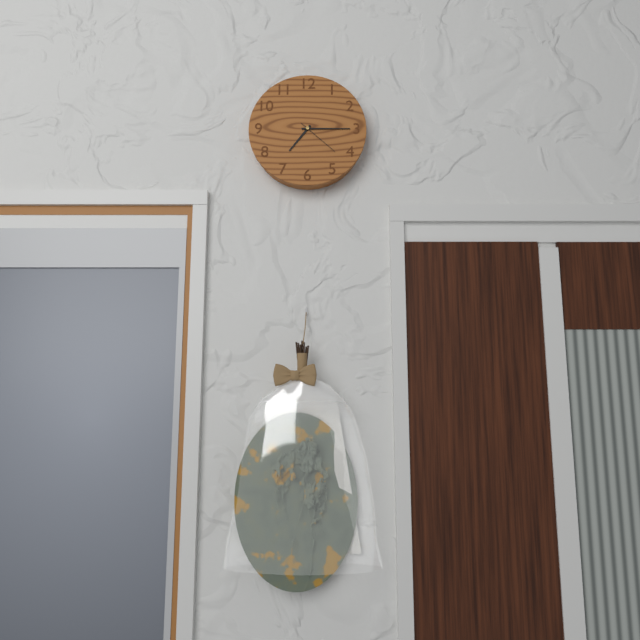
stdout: h=7 m=15
